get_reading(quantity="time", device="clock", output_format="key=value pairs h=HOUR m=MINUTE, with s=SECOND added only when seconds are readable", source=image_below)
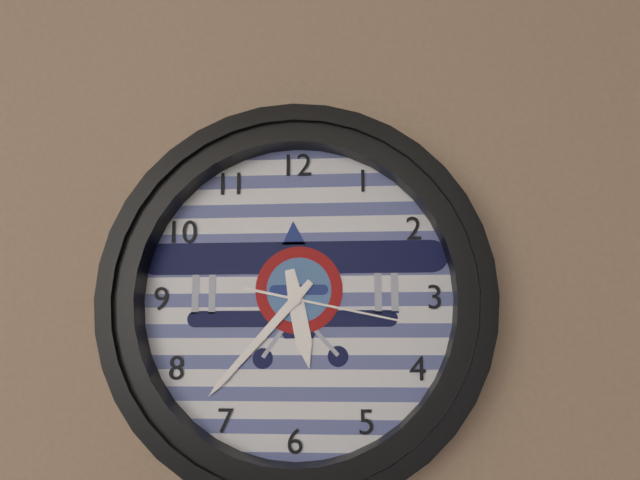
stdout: h=5 m=37 s=17
